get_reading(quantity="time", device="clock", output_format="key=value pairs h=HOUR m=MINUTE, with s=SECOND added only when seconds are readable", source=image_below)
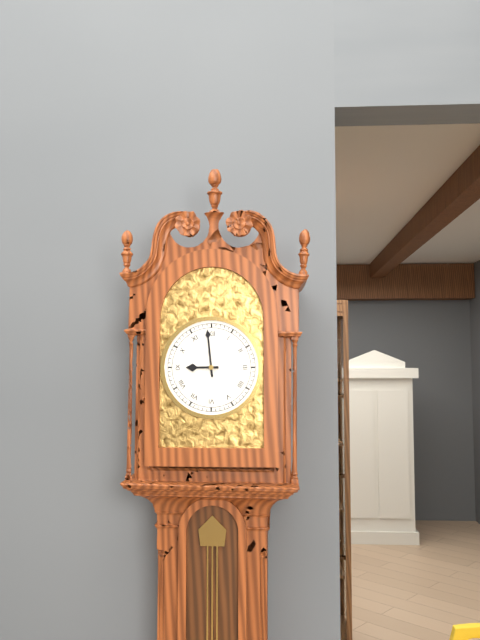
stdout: h=8 m=59
